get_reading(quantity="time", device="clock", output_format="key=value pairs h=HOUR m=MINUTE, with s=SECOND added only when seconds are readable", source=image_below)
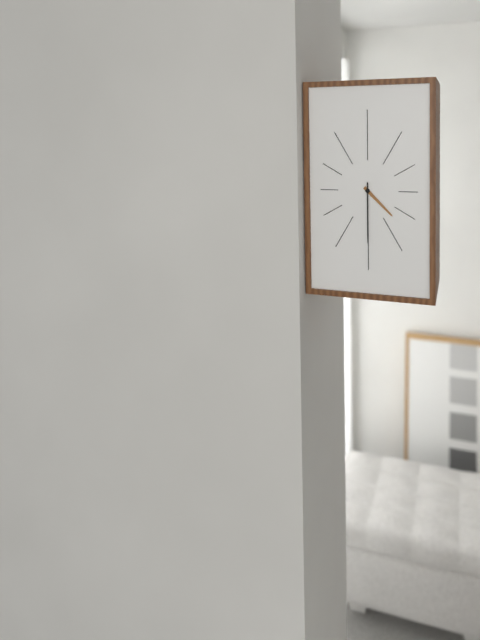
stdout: h=4 m=30
